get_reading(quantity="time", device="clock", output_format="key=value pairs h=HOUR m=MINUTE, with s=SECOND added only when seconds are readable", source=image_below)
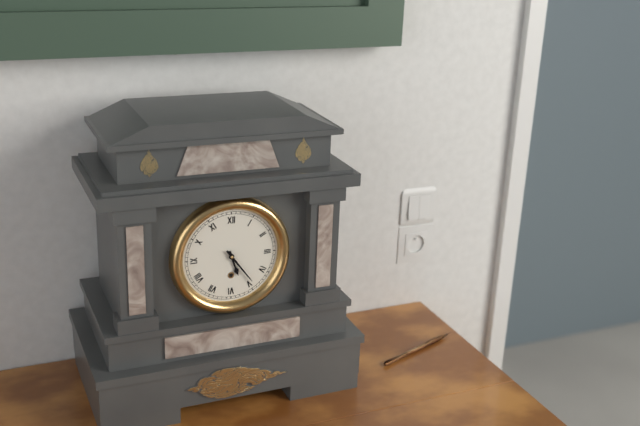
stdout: h=5 m=24
